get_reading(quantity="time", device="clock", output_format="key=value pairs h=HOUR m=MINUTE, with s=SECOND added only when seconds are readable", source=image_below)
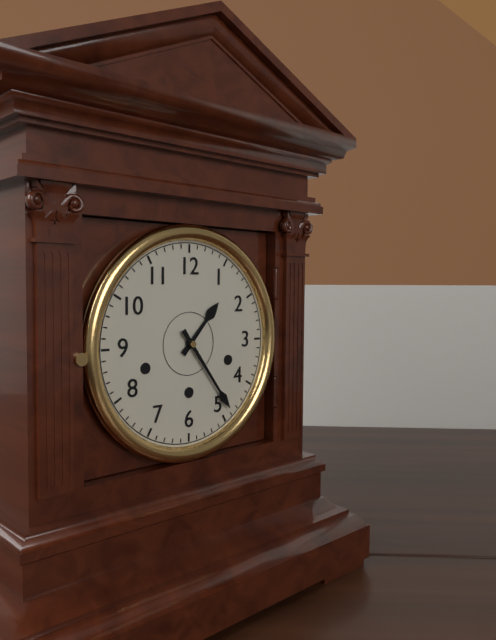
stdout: h=1 m=24
